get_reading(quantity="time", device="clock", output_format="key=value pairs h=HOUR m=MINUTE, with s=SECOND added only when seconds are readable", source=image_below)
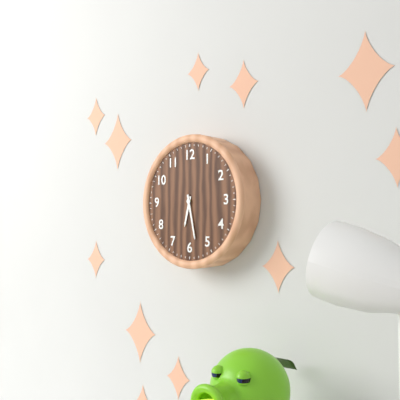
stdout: h=6 m=28
